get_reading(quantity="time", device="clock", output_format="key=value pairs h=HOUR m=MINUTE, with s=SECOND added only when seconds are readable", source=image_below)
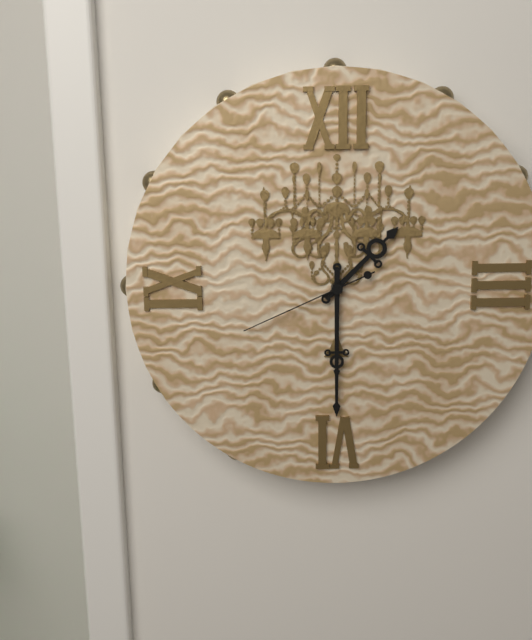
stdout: h=1 m=30 s=41
